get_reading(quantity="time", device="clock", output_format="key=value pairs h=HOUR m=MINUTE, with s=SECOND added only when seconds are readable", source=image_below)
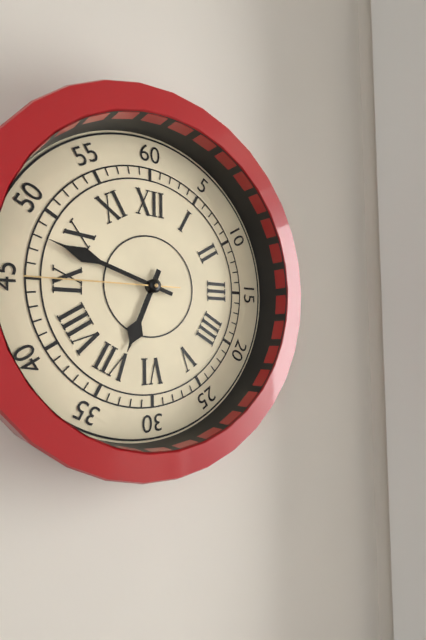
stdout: h=6 m=48 s=45
